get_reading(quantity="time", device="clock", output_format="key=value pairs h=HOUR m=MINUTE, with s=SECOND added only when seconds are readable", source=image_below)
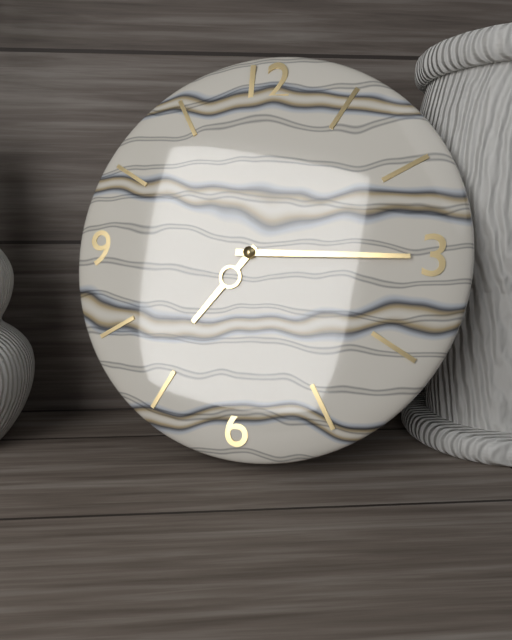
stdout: h=7 m=15
